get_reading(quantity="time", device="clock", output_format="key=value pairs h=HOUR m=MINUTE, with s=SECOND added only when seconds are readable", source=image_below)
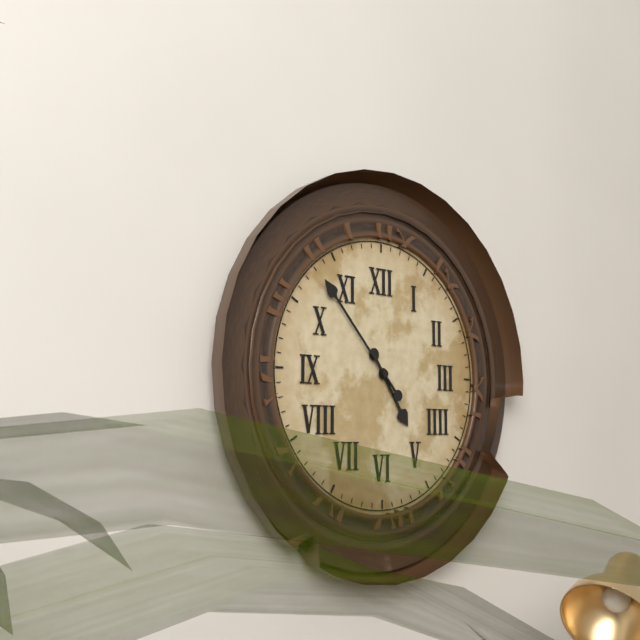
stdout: h=4 m=53
